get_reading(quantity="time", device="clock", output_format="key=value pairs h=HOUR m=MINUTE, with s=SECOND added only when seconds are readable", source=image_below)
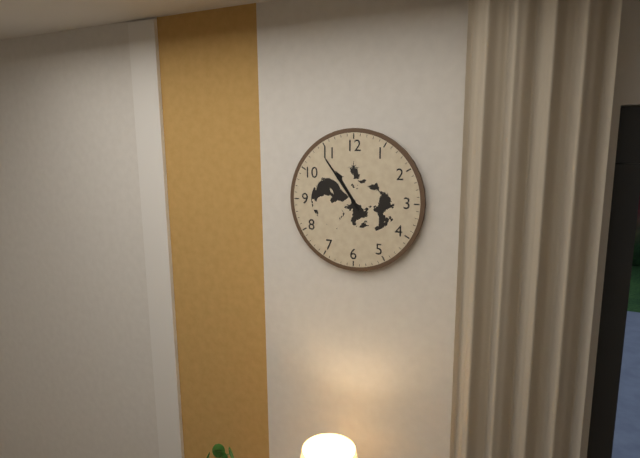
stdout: h=10 m=54
